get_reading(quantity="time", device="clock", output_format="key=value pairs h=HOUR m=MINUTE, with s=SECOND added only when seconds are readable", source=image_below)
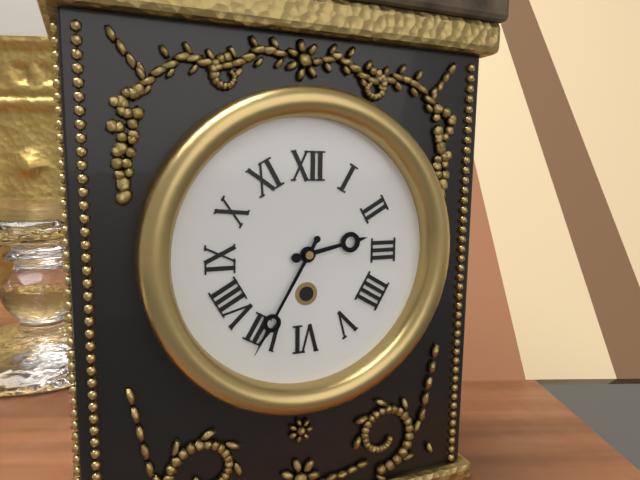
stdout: h=2 m=35
